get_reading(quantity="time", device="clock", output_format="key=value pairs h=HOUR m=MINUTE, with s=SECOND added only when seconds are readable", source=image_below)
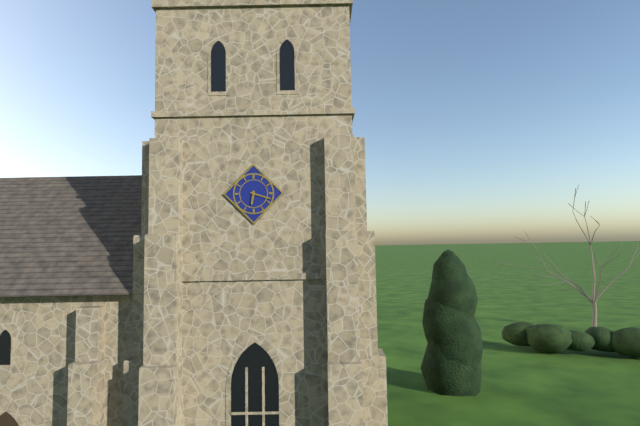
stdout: h=6 m=18
